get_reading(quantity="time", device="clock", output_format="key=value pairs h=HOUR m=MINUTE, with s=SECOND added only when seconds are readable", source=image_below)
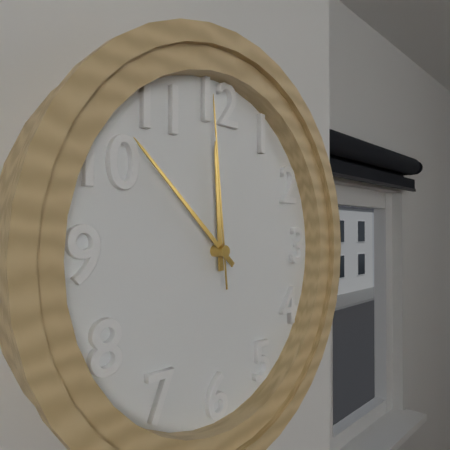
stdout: h=11 m=52 s=59
